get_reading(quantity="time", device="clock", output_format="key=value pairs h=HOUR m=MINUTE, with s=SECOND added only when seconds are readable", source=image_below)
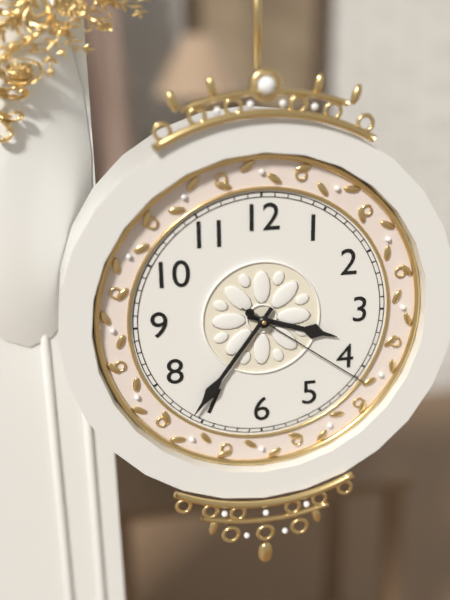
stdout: h=3 m=36 s=21
